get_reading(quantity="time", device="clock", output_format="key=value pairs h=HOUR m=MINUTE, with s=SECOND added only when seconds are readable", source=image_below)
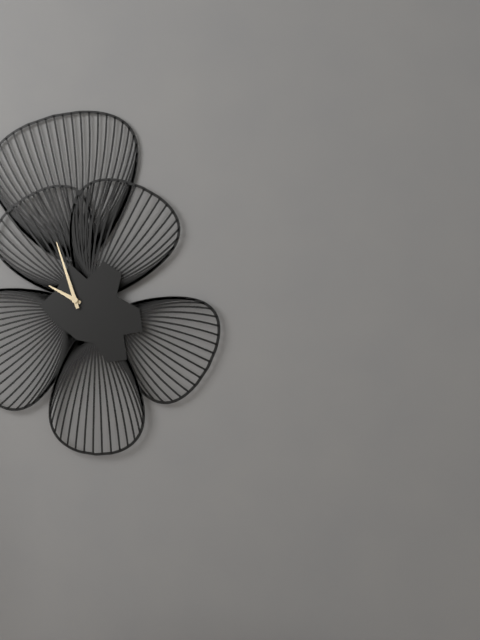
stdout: h=9 m=57
